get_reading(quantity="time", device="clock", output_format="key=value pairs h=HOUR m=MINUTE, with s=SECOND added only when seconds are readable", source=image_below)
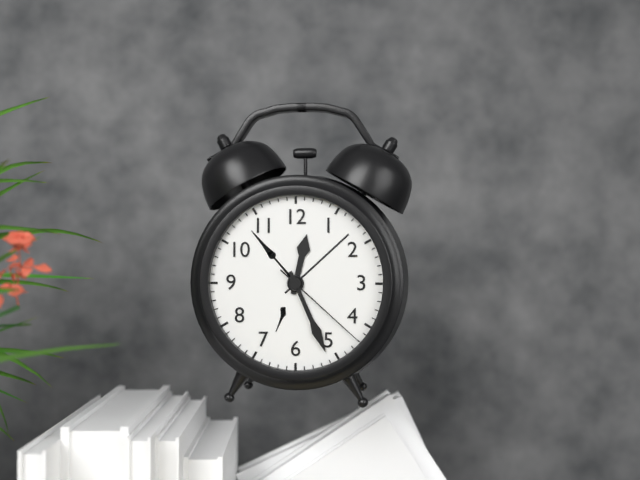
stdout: h=12 m=26 s=22
